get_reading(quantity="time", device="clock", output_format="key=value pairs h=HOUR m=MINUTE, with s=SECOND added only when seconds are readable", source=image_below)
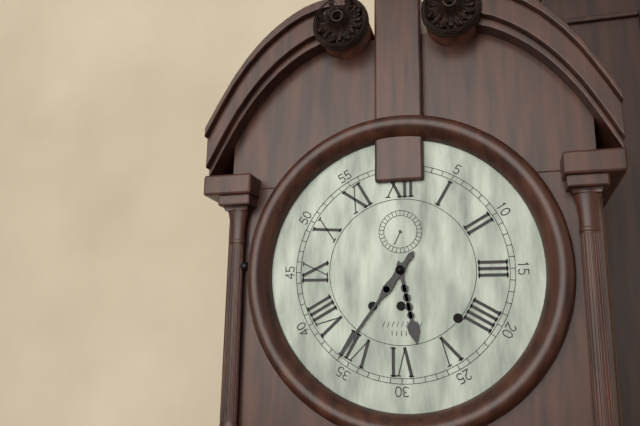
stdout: h=5 m=36
